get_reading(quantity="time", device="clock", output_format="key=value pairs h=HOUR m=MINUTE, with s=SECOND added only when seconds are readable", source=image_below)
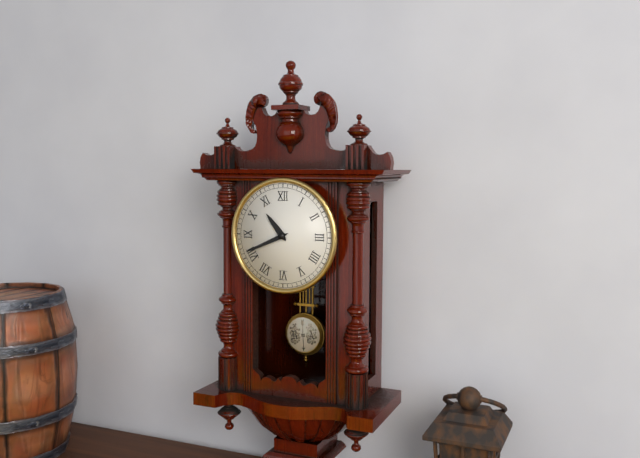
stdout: h=10 m=41
